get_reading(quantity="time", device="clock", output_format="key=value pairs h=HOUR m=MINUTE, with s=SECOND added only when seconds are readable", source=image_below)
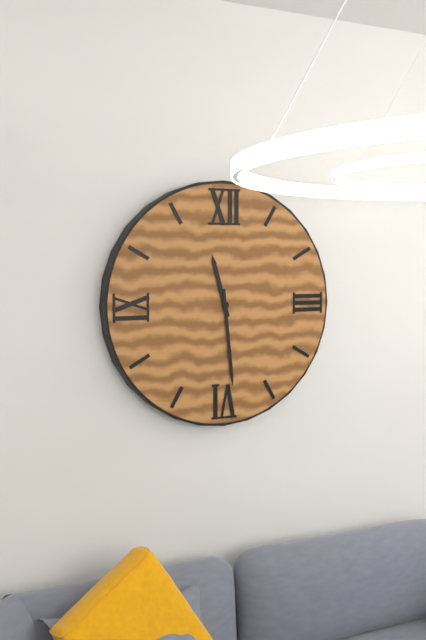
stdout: h=11 m=29
